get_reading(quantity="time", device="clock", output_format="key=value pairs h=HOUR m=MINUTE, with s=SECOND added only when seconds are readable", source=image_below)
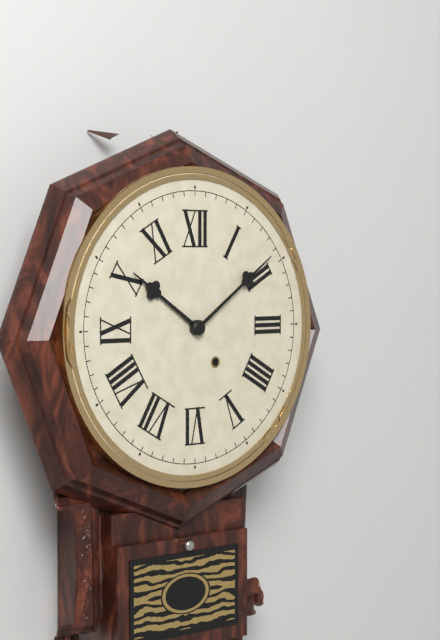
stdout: h=10 m=9
